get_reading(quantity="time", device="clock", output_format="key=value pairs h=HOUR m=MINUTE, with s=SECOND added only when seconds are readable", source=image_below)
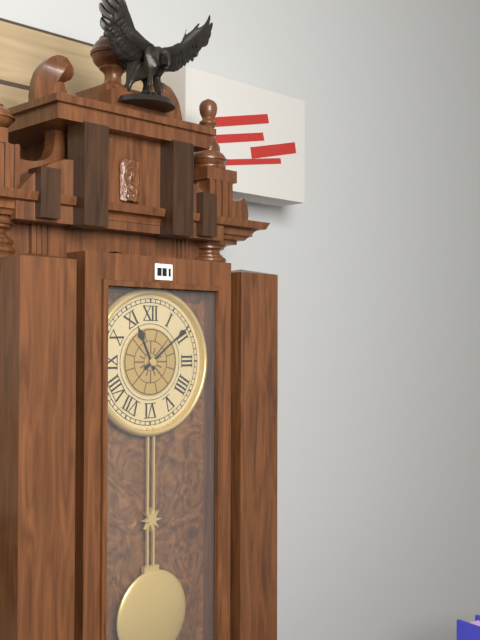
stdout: h=11 m=9
